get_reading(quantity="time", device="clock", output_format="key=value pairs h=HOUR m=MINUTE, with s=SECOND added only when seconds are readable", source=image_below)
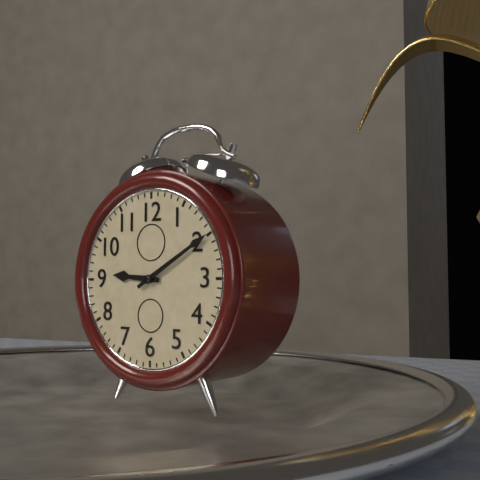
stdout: h=9 m=10
